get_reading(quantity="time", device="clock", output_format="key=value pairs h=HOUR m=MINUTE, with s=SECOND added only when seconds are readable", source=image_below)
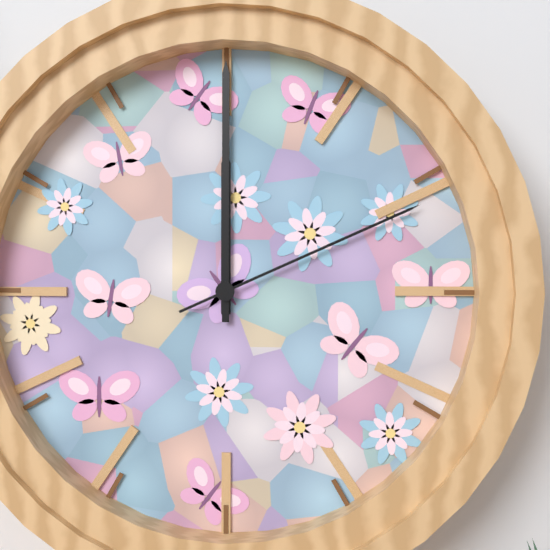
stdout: h=12 m=0 s=11
